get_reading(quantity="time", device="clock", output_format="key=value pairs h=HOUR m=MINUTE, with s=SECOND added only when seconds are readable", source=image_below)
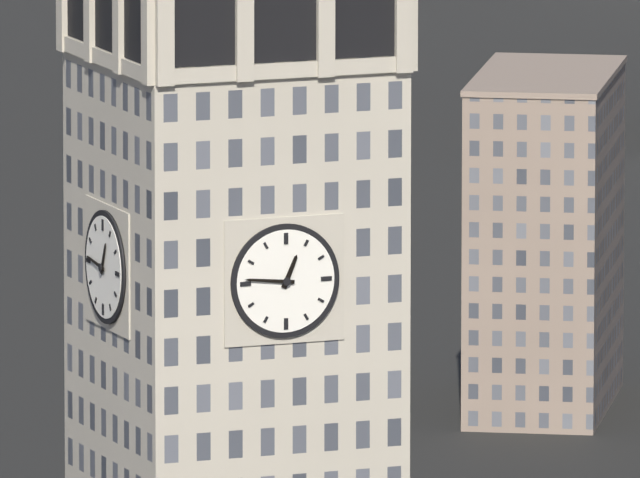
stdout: h=12 m=46
